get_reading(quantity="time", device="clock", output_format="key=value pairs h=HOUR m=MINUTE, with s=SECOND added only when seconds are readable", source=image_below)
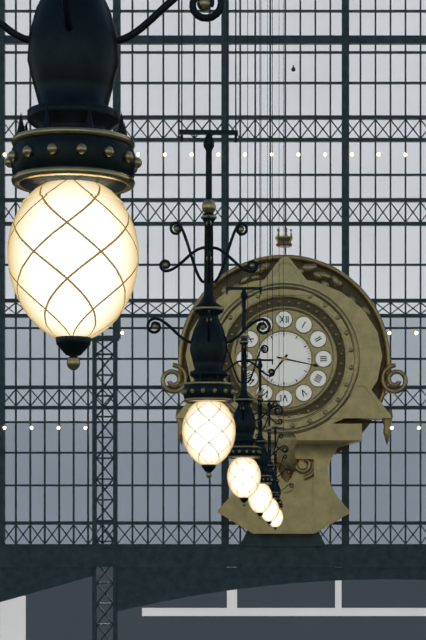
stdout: h=7 m=17
